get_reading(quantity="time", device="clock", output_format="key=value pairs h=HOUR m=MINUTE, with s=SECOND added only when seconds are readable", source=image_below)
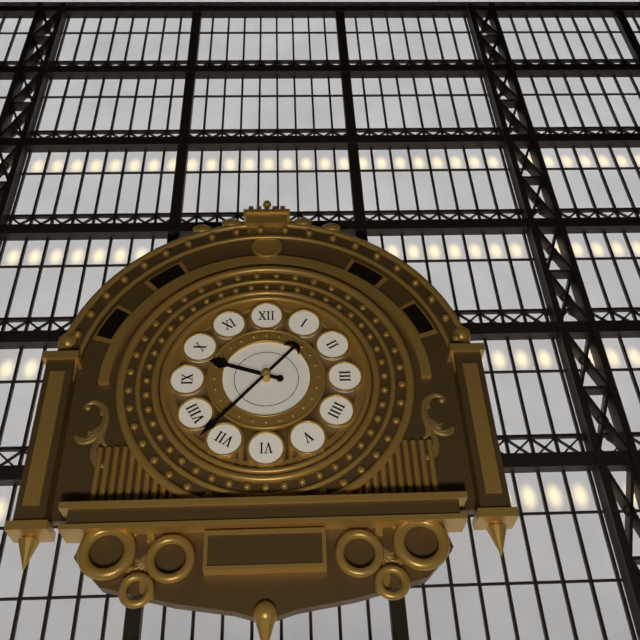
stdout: h=9 m=37
